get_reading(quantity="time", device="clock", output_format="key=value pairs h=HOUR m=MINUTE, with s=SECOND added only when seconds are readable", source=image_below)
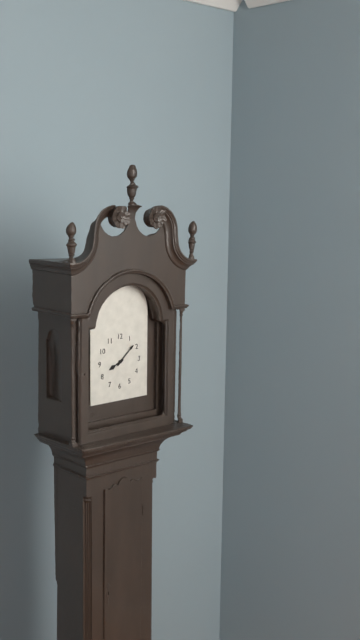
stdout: h=8 m=8
